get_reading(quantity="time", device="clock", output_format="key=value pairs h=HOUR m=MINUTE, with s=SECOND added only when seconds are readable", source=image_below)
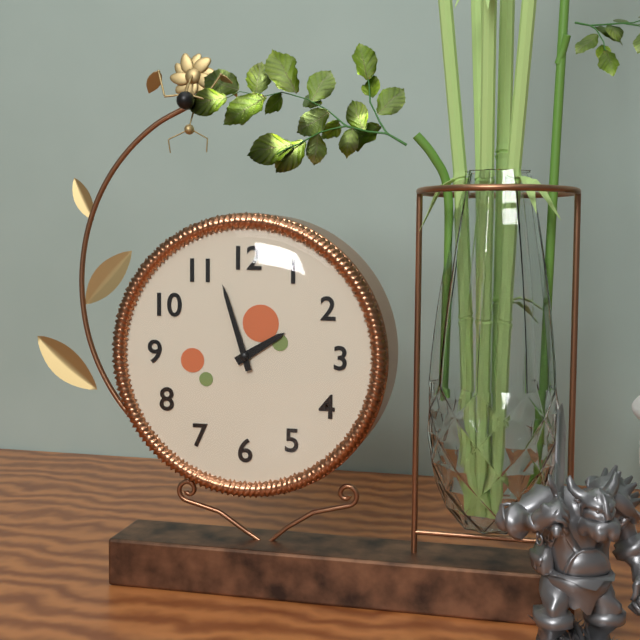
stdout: h=1 m=57
